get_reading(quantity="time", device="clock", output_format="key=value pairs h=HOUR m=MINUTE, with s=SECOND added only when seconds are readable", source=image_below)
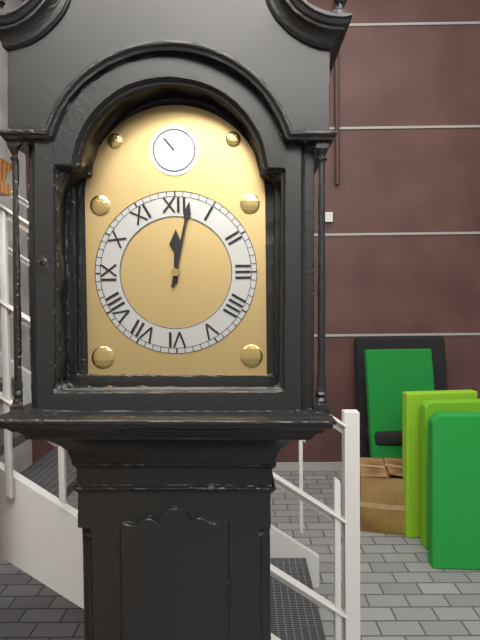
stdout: h=12 m=2
